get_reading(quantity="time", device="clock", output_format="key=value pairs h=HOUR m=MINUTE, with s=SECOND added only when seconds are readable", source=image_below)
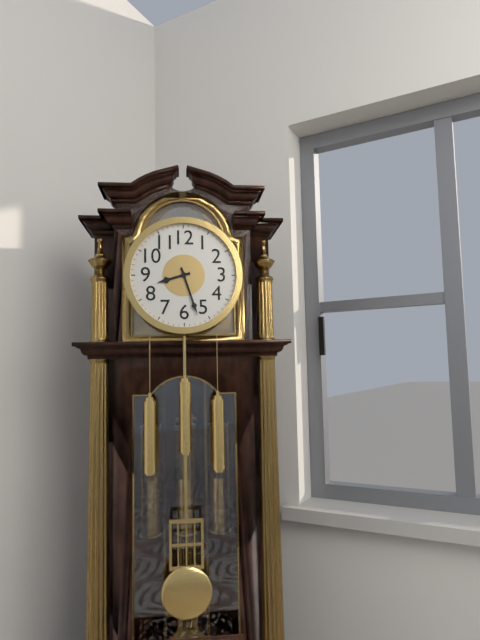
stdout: h=8 m=27
